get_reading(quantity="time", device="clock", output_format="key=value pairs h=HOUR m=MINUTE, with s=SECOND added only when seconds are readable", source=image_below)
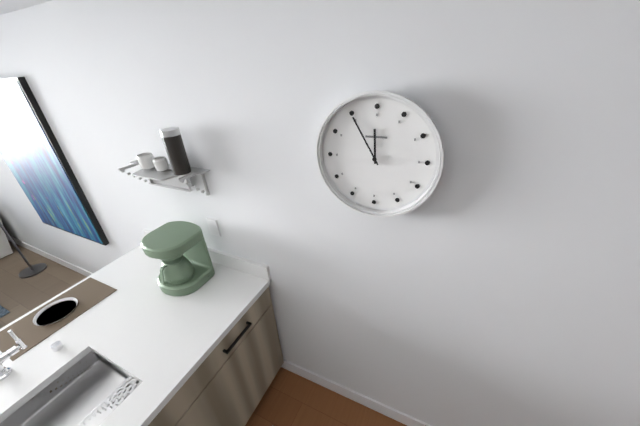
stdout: h=11 m=55
